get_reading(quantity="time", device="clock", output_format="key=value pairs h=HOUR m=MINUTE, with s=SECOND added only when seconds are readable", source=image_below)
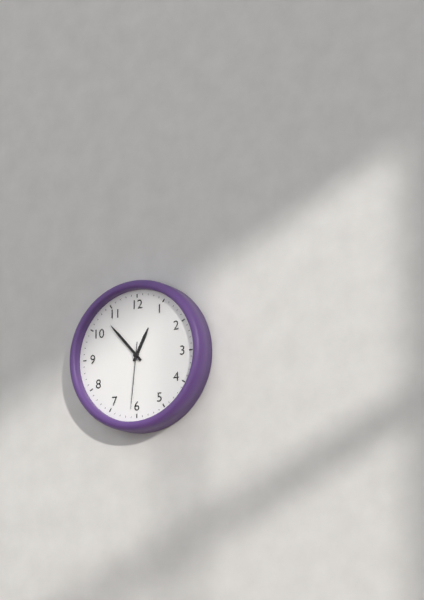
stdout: h=12 m=53 s=31
